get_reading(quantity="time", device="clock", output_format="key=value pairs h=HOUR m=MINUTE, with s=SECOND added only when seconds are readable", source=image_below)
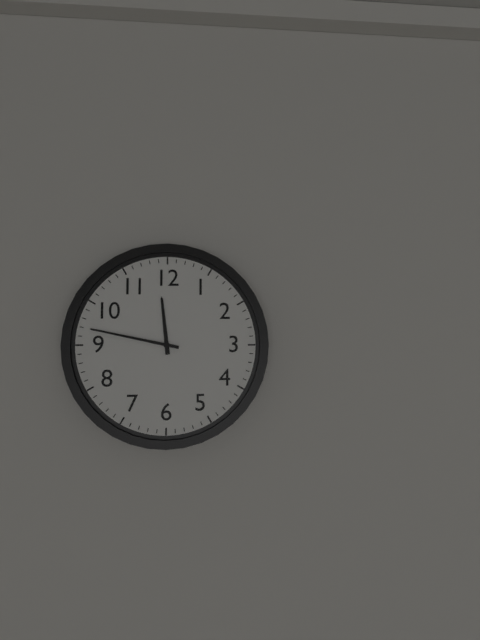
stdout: h=11 m=47
